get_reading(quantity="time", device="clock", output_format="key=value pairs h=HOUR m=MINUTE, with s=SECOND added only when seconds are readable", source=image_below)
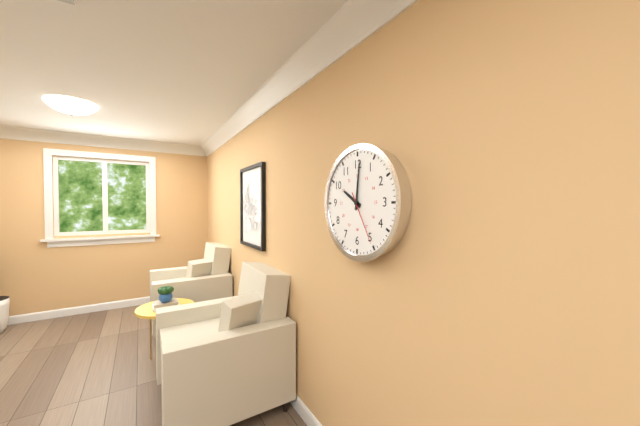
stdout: h=10 m=1 s=25
